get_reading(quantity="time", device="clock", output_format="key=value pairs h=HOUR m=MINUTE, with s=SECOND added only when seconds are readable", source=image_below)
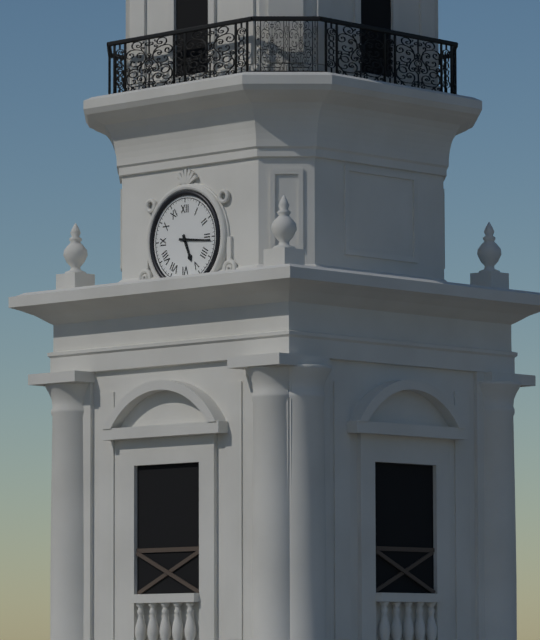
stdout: h=5 m=16
